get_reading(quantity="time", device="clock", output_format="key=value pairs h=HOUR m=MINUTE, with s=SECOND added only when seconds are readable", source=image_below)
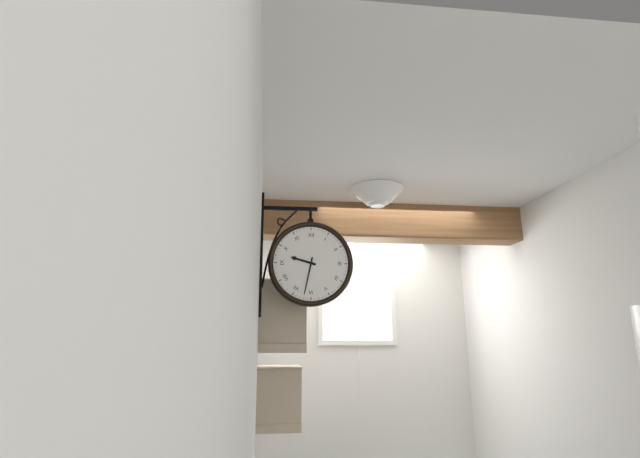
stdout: h=9 m=32
